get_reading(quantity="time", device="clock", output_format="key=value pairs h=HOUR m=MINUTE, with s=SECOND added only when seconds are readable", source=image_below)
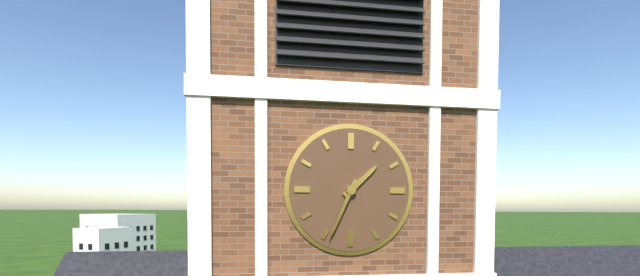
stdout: h=1 m=34
